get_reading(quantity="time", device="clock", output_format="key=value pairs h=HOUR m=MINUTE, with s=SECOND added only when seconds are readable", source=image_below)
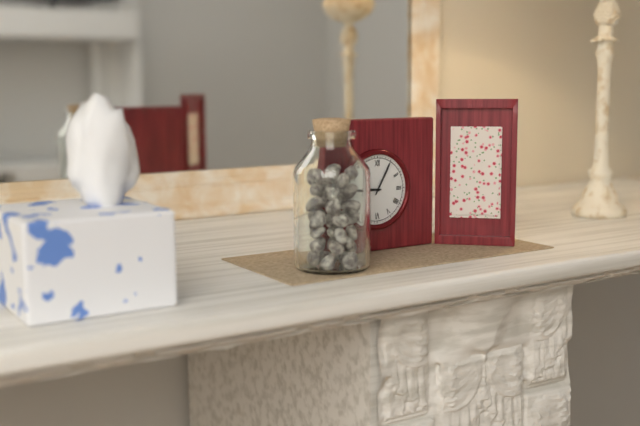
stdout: h=9 m=5
